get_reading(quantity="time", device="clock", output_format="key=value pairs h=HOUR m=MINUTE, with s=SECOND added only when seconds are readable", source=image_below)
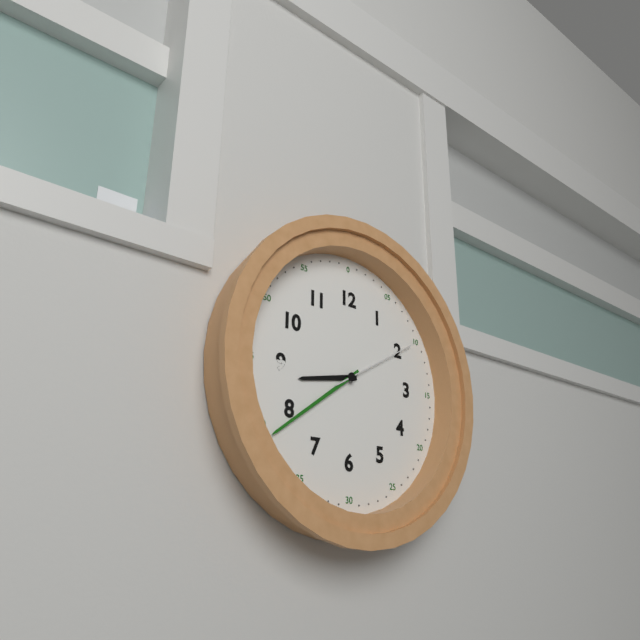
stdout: h=8 m=39 s=10
